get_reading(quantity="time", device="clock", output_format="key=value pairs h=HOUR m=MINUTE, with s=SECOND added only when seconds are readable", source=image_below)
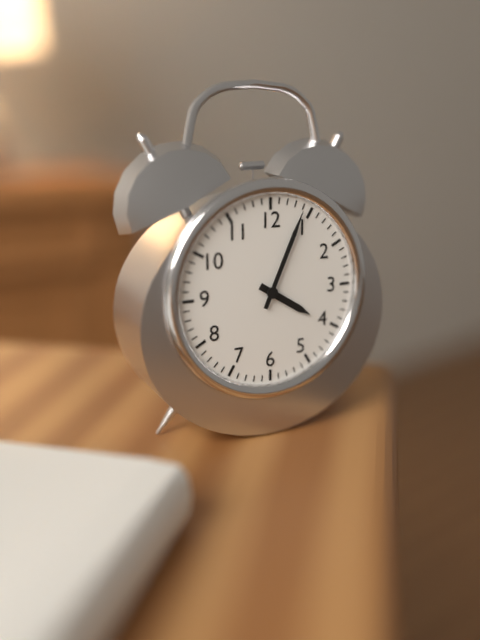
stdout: h=4 m=4
